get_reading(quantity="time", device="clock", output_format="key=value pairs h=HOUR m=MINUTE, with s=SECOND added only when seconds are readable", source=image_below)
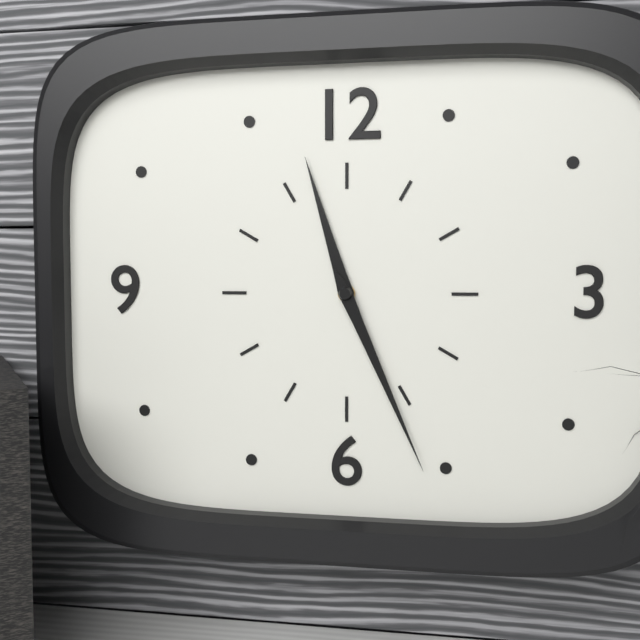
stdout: h=11 m=26
